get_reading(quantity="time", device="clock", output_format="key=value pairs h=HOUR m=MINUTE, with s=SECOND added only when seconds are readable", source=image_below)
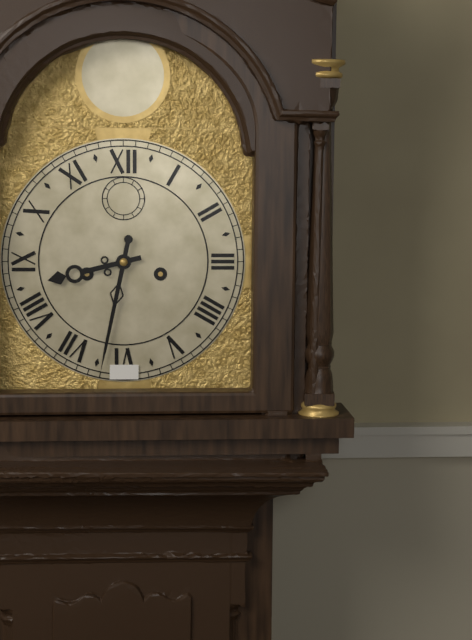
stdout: h=8 m=32
